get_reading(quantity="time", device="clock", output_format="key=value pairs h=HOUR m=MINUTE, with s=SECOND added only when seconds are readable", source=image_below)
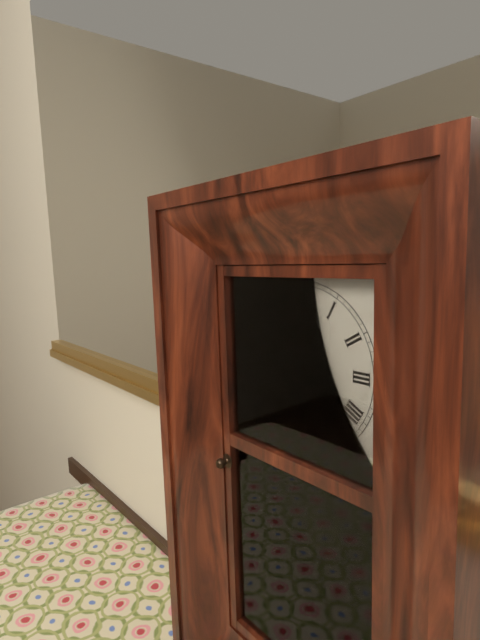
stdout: h=6 m=59
